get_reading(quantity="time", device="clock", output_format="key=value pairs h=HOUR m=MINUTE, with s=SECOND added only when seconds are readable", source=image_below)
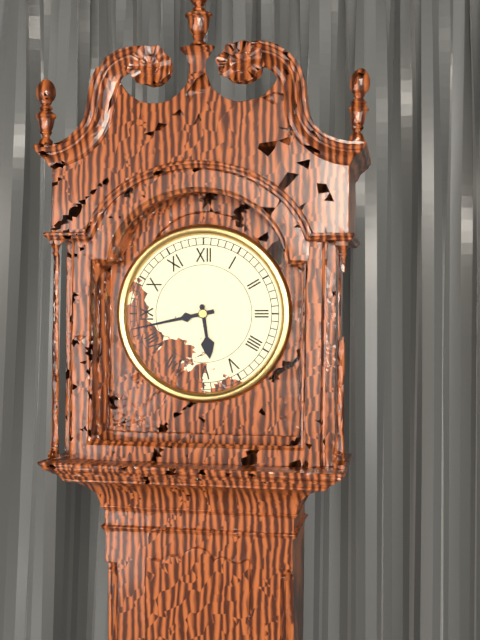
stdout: h=5 m=43
